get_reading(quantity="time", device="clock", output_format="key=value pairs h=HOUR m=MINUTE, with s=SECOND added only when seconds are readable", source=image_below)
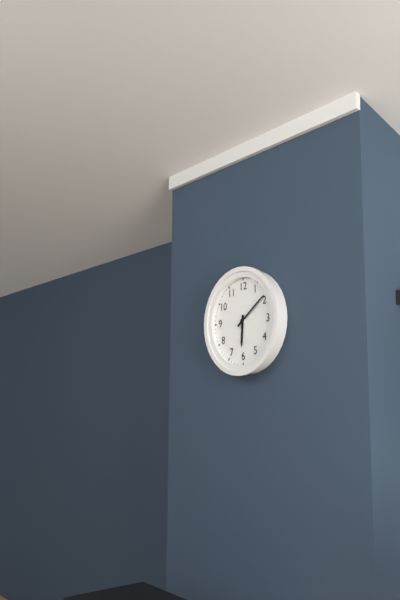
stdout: h=6 m=9
